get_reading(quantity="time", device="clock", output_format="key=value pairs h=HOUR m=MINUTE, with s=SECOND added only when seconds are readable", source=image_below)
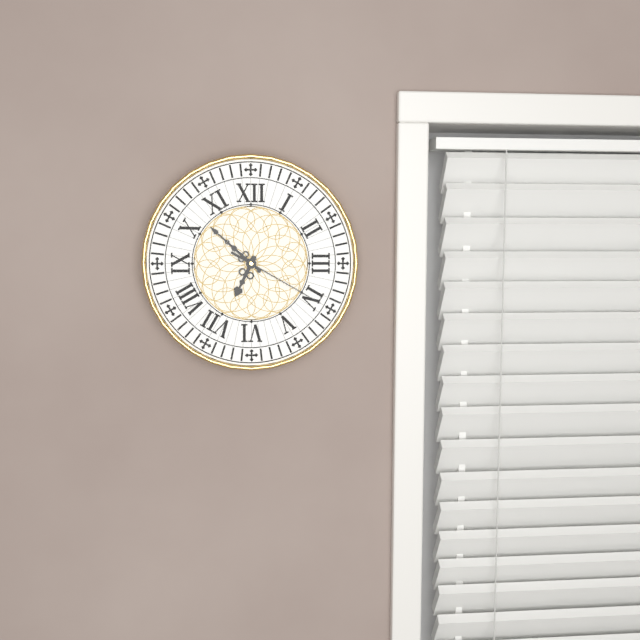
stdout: h=6 m=52 s=20
